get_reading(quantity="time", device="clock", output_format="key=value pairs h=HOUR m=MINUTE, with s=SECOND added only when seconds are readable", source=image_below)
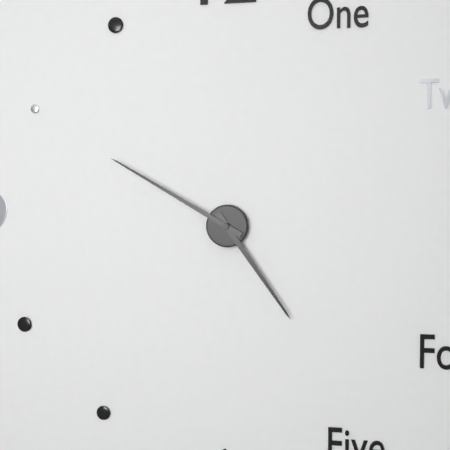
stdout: h=4 m=50
